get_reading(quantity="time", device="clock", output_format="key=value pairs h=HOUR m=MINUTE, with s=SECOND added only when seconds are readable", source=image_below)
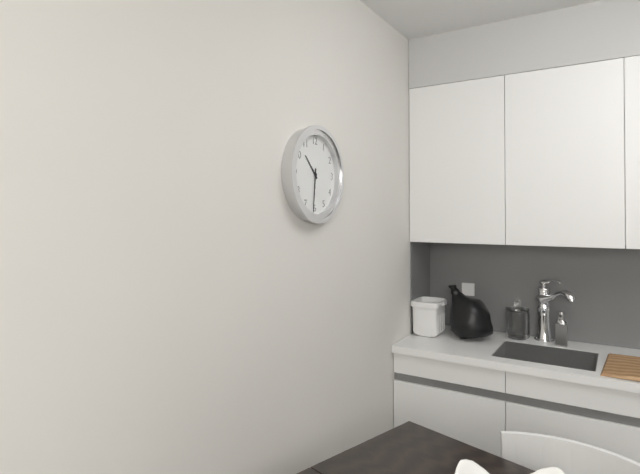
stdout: h=10 m=31
